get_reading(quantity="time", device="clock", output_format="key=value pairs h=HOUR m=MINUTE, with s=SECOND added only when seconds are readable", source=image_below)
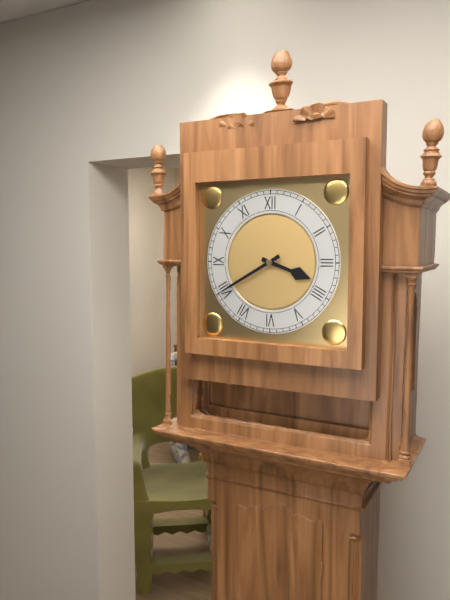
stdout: h=3 m=40
